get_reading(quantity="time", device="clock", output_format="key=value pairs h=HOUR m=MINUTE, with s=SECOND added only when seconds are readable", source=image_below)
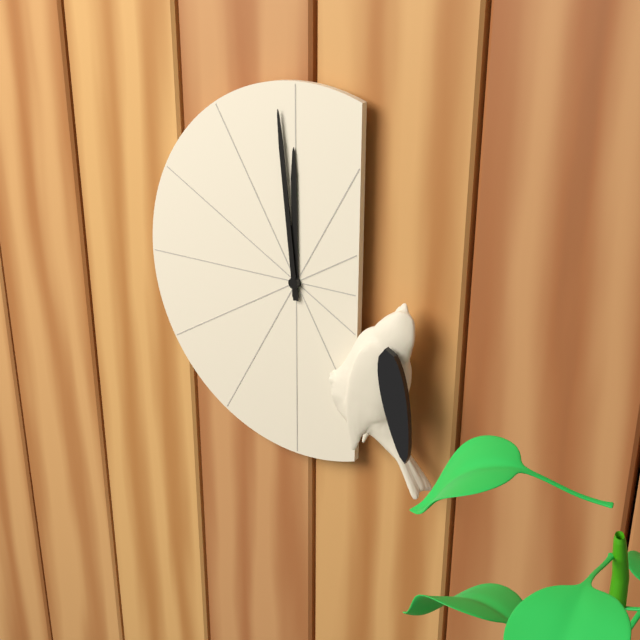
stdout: h=11 m=59
